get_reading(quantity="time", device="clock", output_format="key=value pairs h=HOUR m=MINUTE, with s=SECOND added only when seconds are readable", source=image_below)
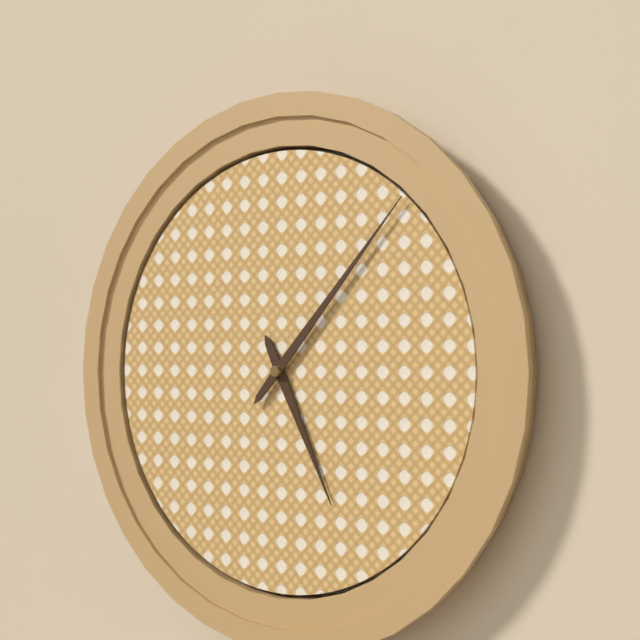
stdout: h=5 m=7
